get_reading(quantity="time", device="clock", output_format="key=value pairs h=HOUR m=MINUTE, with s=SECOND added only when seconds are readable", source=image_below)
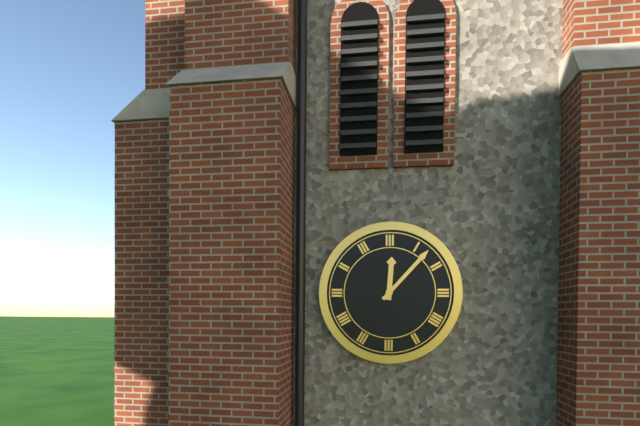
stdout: h=12 m=7
